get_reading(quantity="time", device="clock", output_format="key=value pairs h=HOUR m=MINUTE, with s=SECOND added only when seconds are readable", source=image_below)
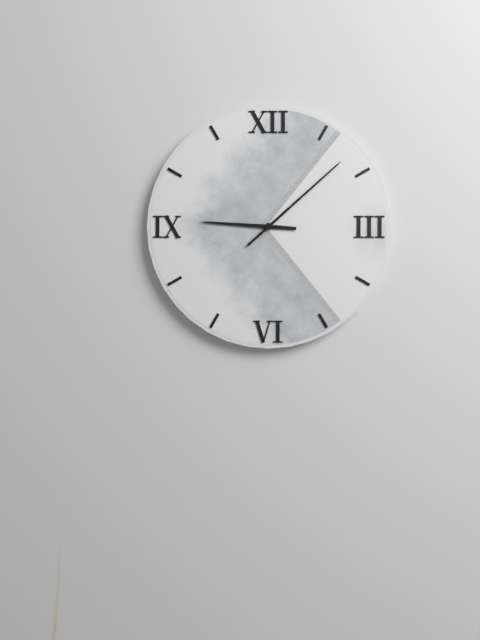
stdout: h=9 m=8
